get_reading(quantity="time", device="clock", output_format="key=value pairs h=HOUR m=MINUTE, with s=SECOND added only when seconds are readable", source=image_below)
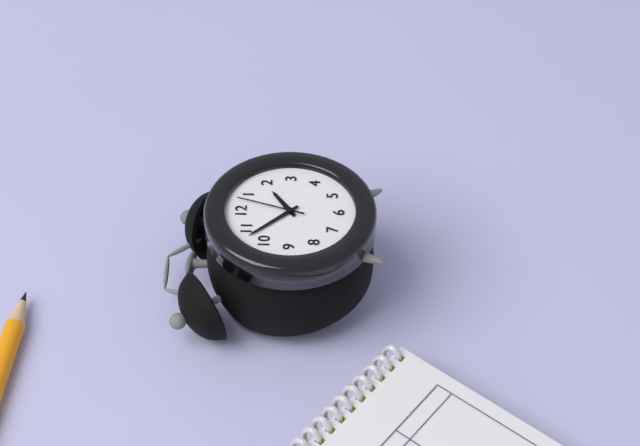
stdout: h=1 m=53 s=3
